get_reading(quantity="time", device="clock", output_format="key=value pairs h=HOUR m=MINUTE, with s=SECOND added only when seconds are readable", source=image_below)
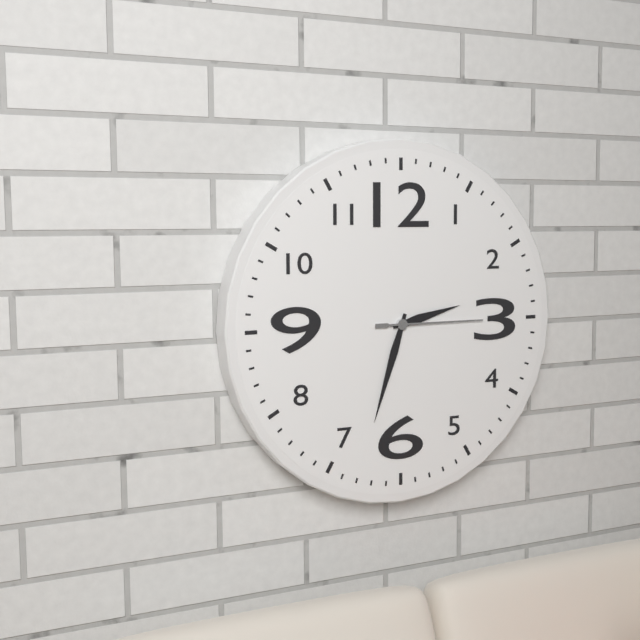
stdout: h=2 m=33 s=15
